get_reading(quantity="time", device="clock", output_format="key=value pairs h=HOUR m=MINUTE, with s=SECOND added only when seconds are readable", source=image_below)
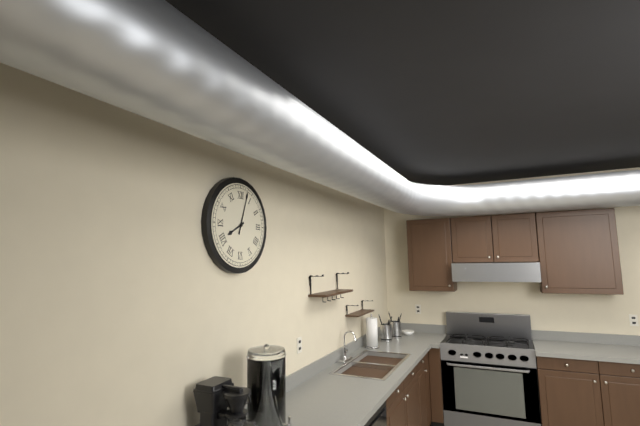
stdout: h=8 m=3
